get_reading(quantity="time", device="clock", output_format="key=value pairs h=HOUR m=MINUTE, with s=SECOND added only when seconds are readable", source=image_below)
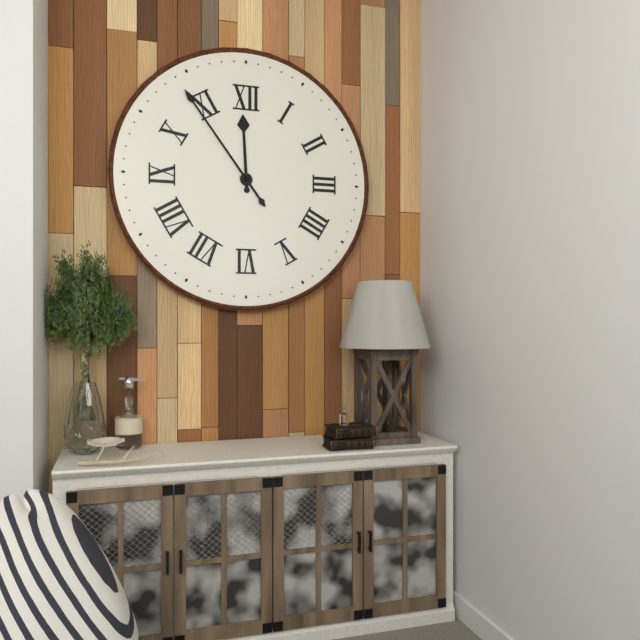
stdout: h=11 m=54
